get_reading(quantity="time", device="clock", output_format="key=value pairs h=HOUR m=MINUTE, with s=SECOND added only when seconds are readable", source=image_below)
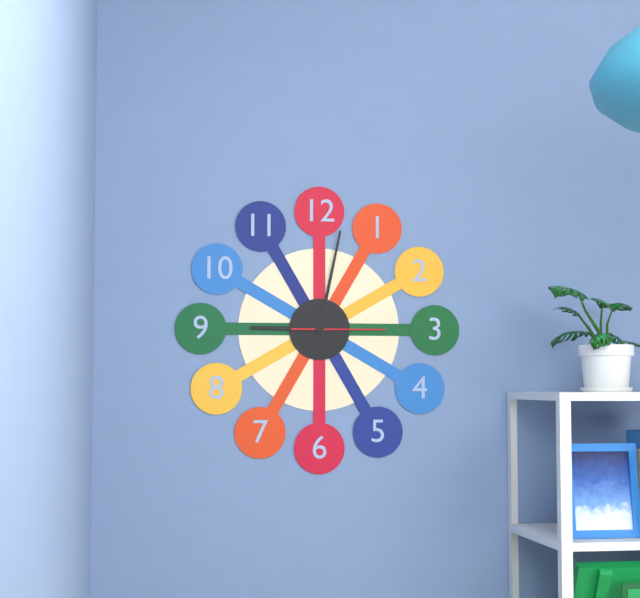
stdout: h=9 m=2 s=15
